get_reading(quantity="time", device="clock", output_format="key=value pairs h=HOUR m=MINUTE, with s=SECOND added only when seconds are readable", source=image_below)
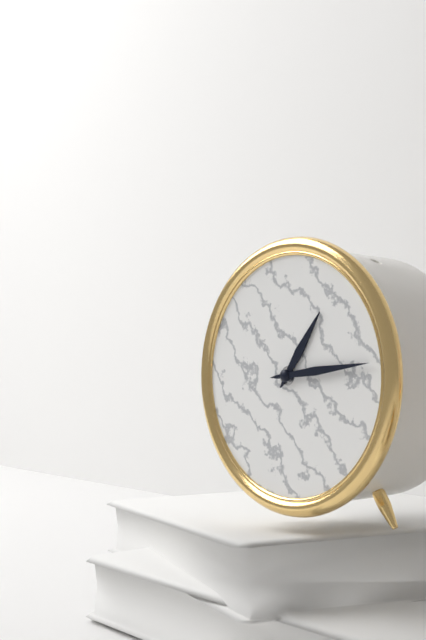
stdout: h=1 m=14
